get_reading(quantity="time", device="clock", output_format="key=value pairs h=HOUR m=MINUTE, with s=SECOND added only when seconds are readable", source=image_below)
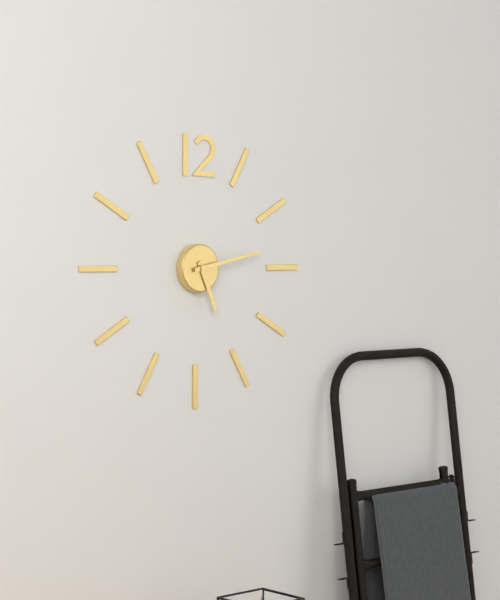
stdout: h=5 m=13
